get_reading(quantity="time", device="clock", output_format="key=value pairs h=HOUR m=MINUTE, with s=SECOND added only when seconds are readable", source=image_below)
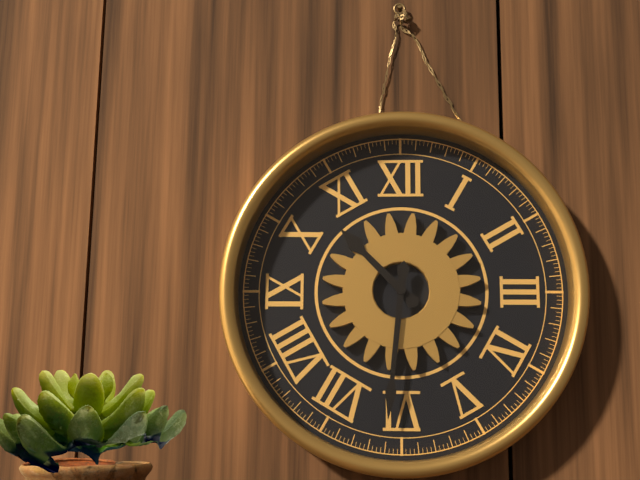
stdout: h=10 m=31
